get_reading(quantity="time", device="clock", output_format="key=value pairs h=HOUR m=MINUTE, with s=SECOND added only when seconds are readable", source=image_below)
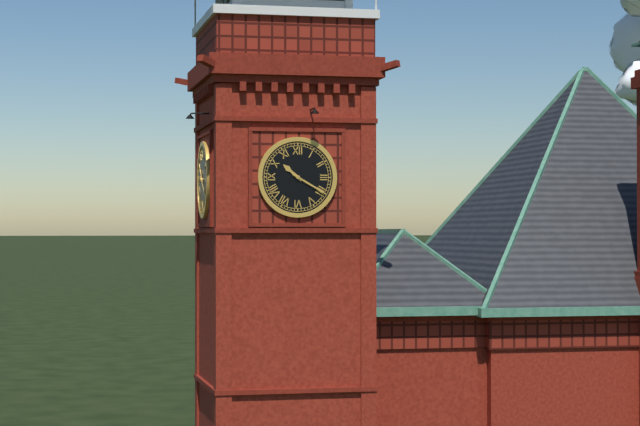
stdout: h=10 m=20
